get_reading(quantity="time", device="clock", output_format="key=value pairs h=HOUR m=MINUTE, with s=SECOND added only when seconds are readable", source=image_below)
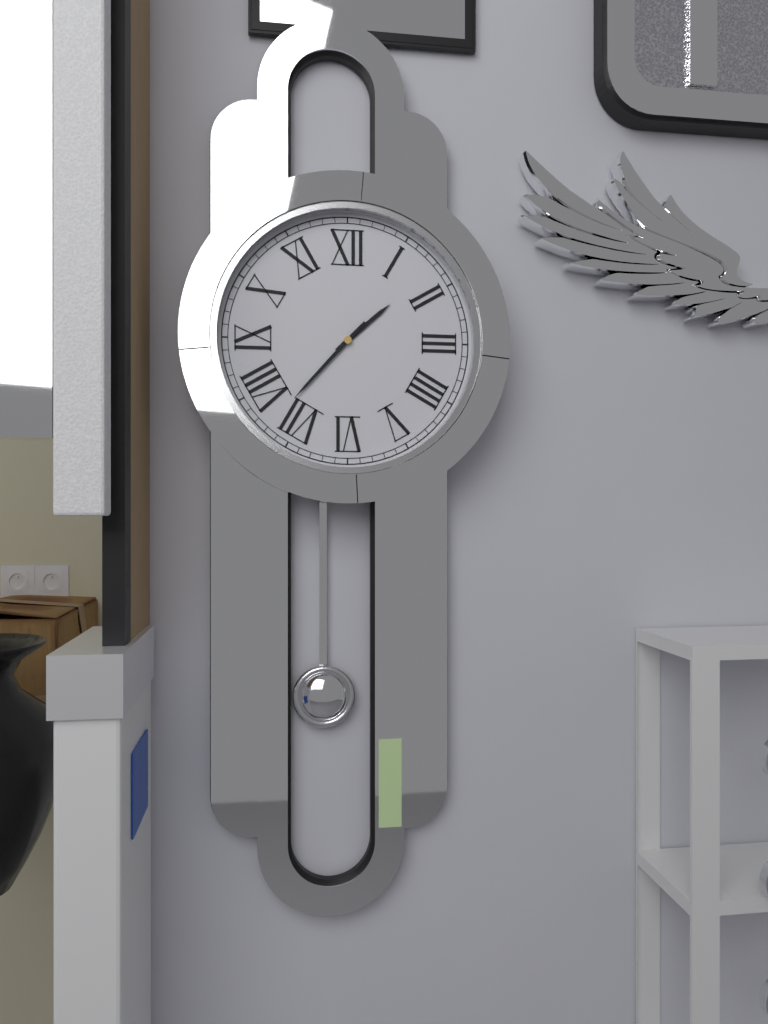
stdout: h=1 m=37
